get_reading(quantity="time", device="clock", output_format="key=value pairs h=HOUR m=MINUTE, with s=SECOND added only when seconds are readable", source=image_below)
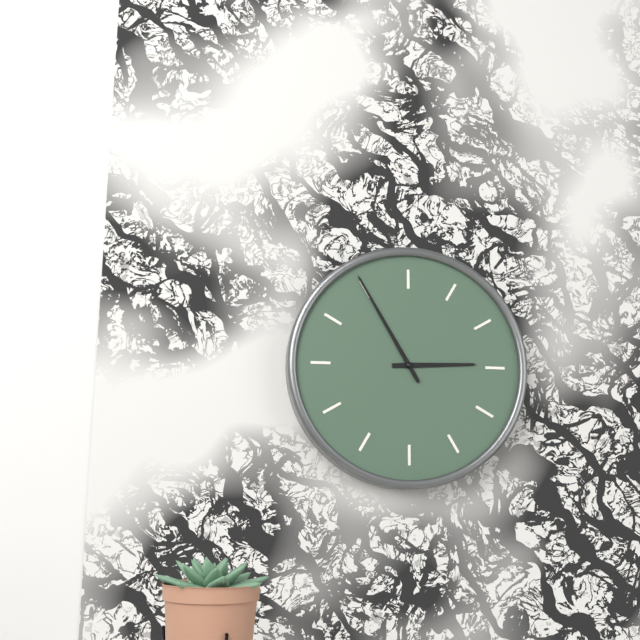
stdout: h=2 m=55
